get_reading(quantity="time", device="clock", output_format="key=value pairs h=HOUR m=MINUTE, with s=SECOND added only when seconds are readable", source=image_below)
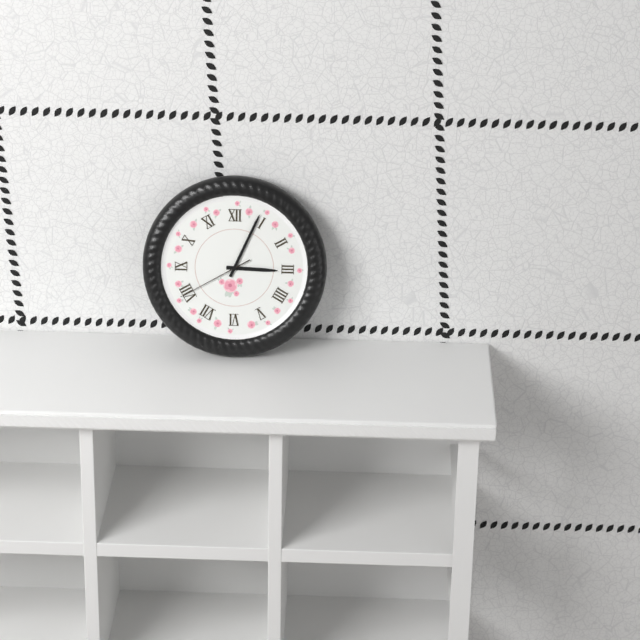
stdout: h=3 m=4 s=40
